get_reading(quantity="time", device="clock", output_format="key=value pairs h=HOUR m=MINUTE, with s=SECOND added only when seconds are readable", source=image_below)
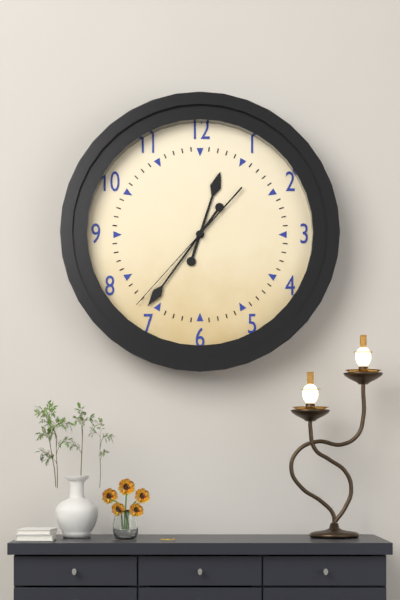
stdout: h=12 m=36 s=37
